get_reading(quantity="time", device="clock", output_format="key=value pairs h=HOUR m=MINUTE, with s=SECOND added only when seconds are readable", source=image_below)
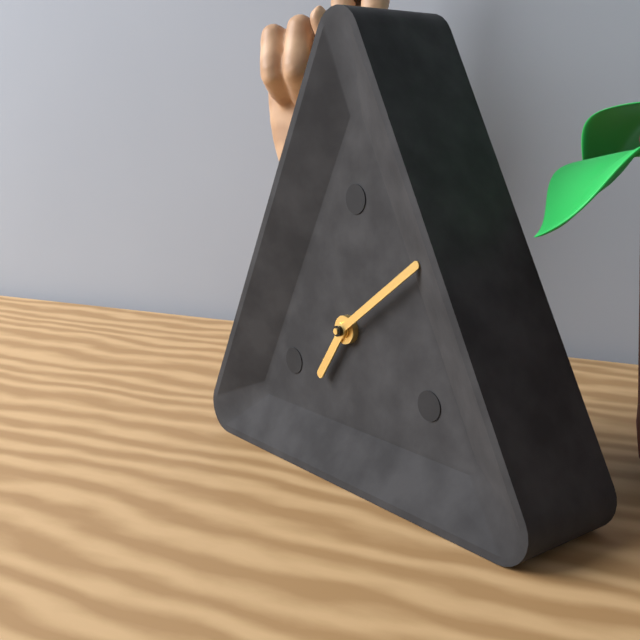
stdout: h=7 m=9
